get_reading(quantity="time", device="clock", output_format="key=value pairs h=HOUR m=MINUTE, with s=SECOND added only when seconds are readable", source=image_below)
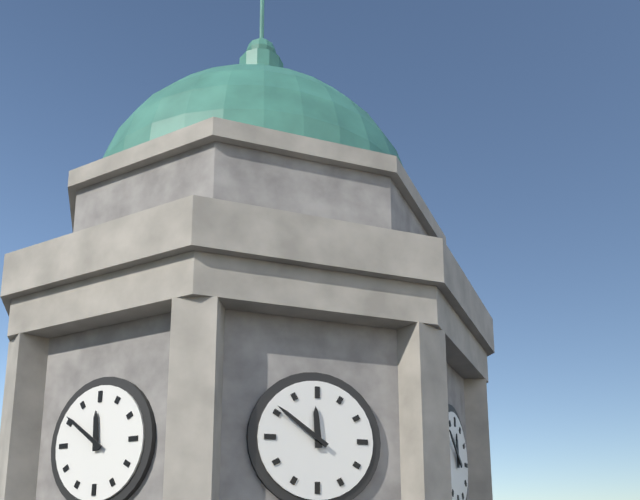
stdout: h=11 m=51
